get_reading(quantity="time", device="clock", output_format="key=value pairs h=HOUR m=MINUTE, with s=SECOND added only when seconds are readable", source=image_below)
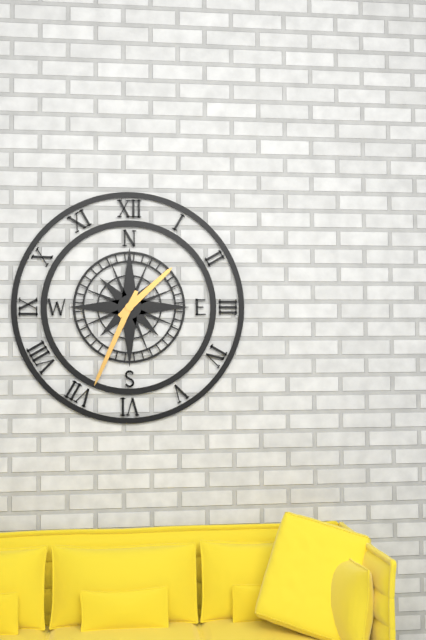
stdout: h=1 m=34
